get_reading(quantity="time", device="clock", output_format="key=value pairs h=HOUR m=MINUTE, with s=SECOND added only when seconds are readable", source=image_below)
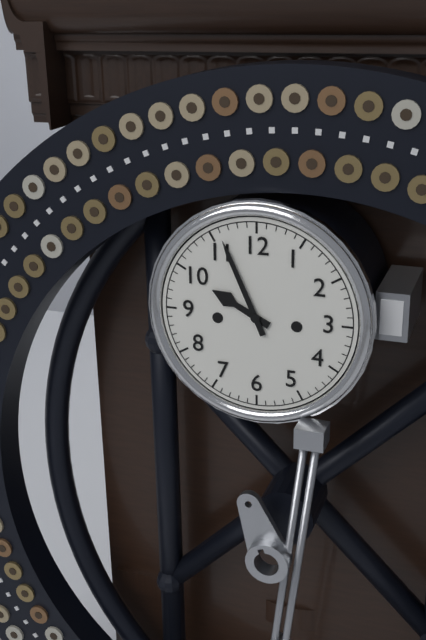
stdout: h=9 m=56
